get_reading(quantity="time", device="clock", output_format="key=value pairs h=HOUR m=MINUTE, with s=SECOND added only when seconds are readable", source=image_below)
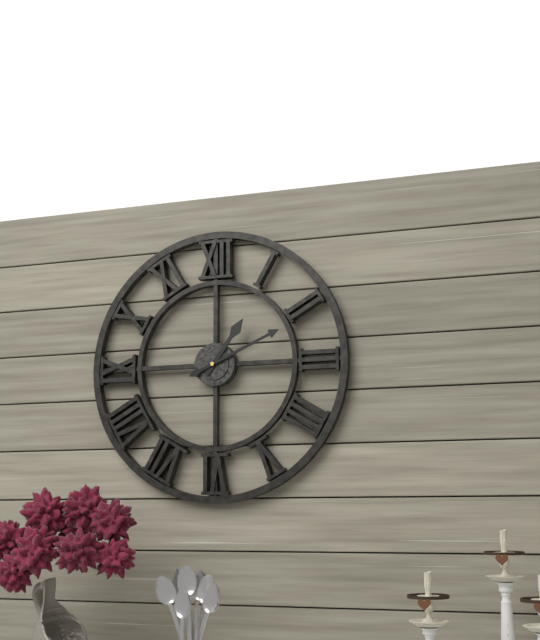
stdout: h=1 m=11
